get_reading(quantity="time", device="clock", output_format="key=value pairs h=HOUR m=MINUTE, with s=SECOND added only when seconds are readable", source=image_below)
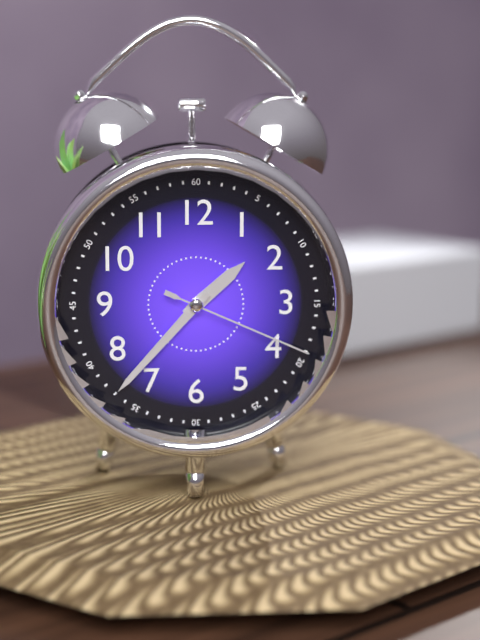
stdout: h=1 m=37 s=19
